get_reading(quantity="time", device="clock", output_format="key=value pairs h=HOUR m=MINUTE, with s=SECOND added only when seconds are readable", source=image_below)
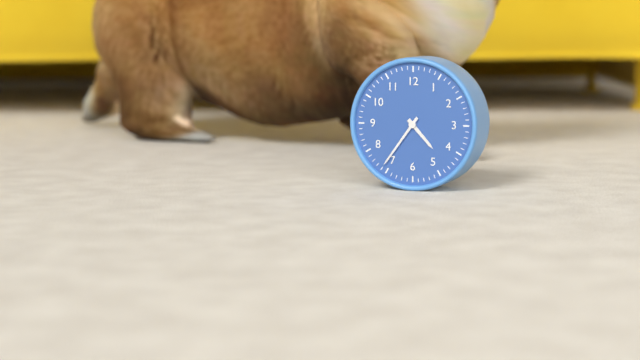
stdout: h=4 m=36
